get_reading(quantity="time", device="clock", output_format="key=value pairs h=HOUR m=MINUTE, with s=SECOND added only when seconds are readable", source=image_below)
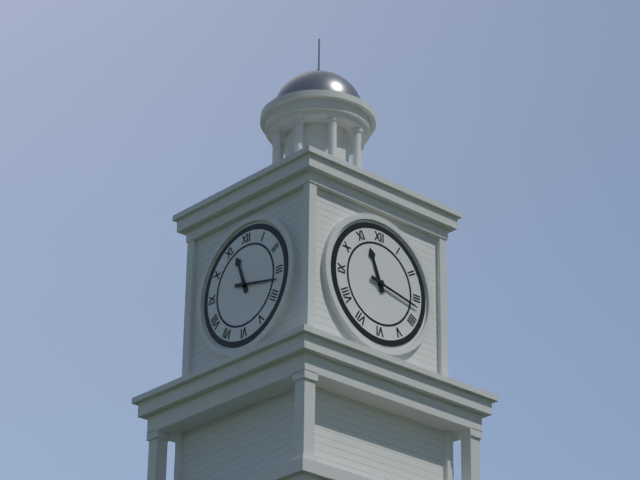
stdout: h=11 m=17
